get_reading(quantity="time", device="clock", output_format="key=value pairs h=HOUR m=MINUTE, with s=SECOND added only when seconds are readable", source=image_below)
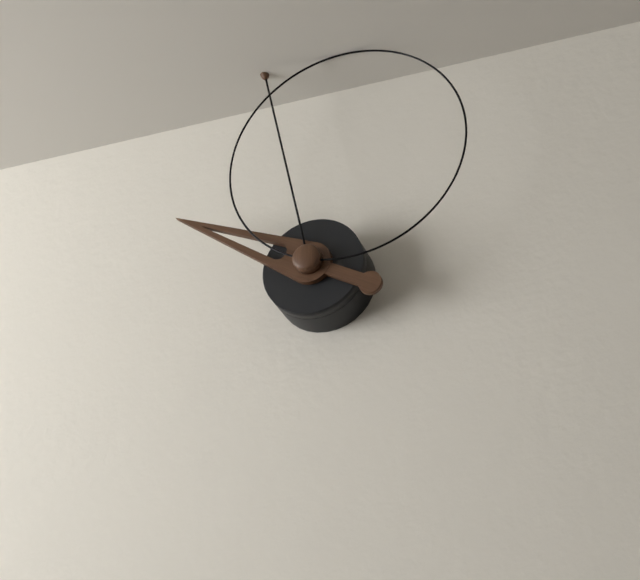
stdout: h=9 m=58 s=3
